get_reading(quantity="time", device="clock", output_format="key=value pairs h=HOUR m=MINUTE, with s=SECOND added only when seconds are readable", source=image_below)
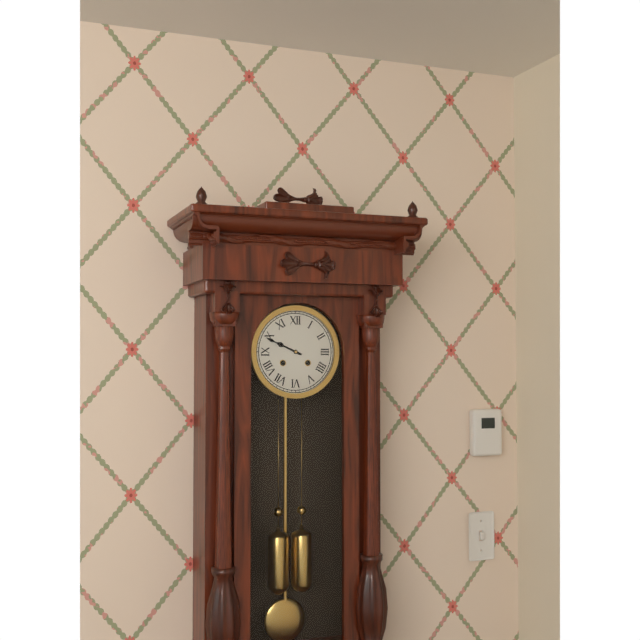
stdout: h=9 m=49
